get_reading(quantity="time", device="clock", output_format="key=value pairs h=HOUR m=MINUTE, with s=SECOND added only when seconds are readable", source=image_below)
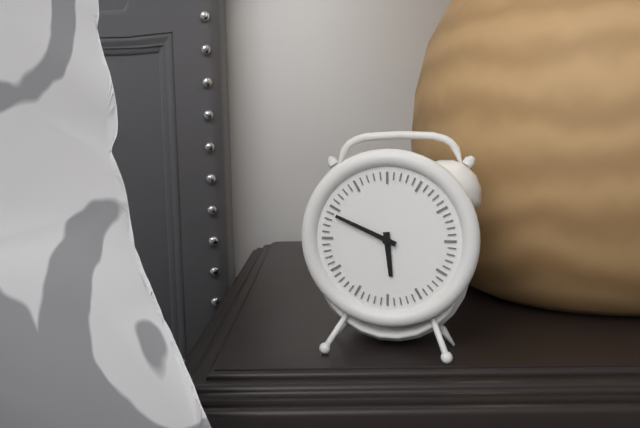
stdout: h=5 m=49
